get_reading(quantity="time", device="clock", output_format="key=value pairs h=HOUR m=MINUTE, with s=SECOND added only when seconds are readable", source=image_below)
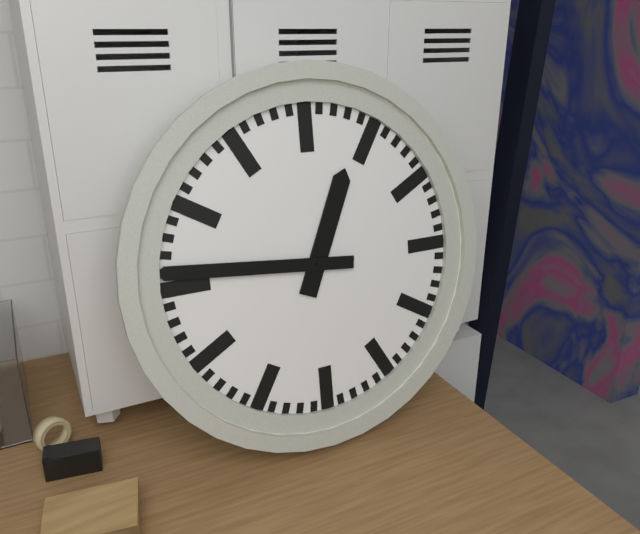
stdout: h=12 m=46
